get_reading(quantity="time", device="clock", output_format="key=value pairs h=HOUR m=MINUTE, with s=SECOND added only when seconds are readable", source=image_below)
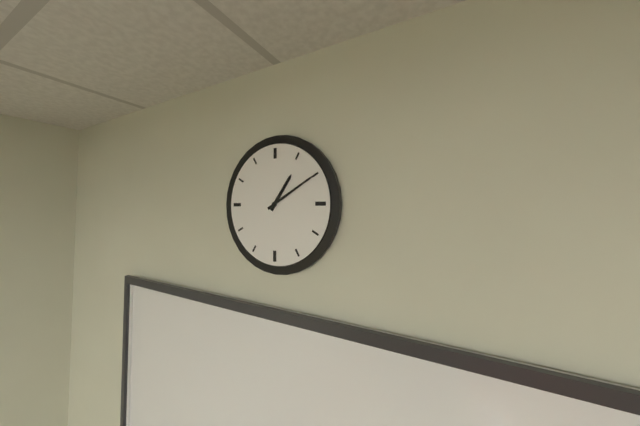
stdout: h=1 m=10
